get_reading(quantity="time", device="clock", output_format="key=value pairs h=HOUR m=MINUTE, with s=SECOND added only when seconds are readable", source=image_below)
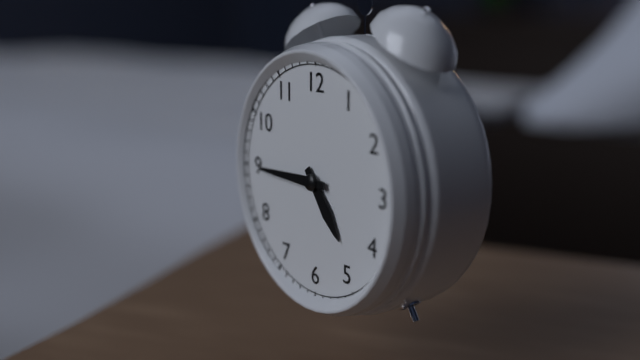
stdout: h=4 m=45
